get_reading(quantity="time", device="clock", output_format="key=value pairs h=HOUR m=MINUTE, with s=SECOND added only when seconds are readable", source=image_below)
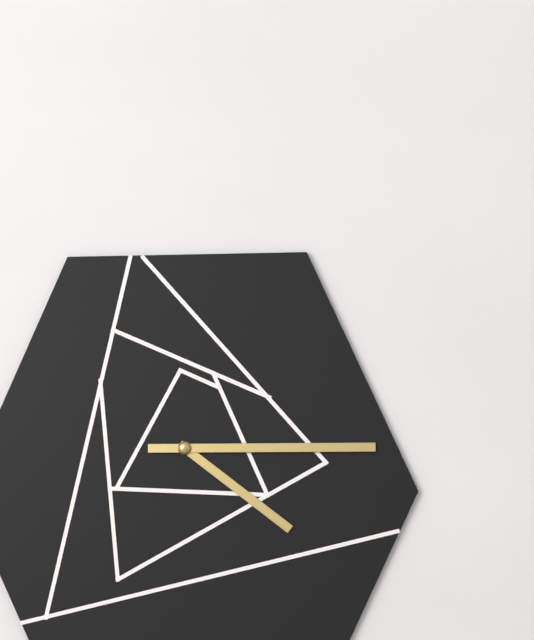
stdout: h=4 m=15
